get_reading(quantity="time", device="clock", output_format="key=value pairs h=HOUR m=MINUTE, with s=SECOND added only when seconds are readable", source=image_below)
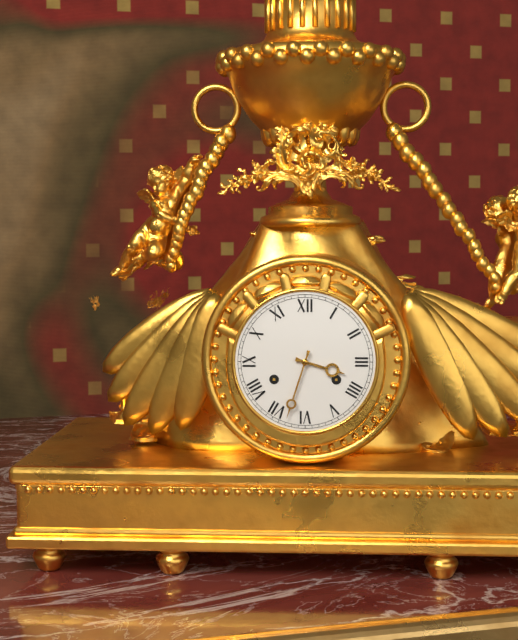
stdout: h=3 m=33
